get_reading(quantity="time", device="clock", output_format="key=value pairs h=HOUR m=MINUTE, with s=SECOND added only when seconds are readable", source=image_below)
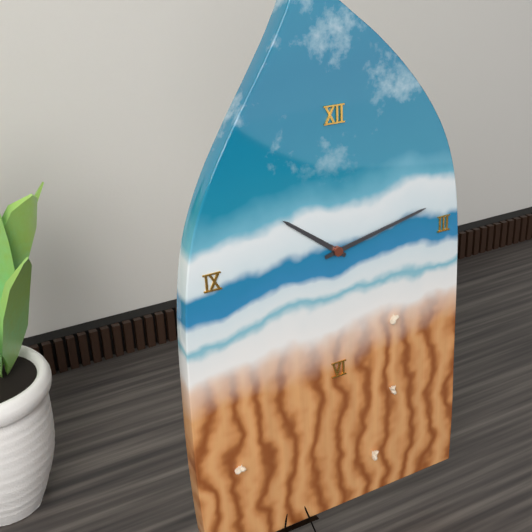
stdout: h=10 m=13
